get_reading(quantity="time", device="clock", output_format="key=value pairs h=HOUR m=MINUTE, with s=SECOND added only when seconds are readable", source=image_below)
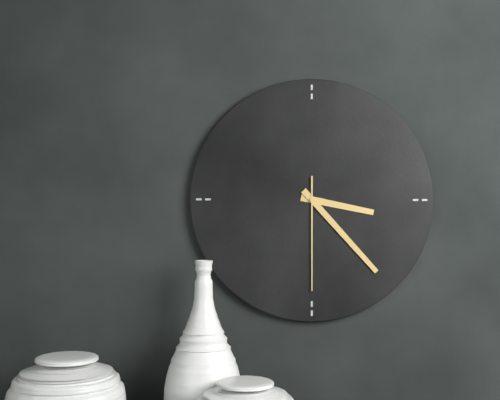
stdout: h=3 m=23 s=30
